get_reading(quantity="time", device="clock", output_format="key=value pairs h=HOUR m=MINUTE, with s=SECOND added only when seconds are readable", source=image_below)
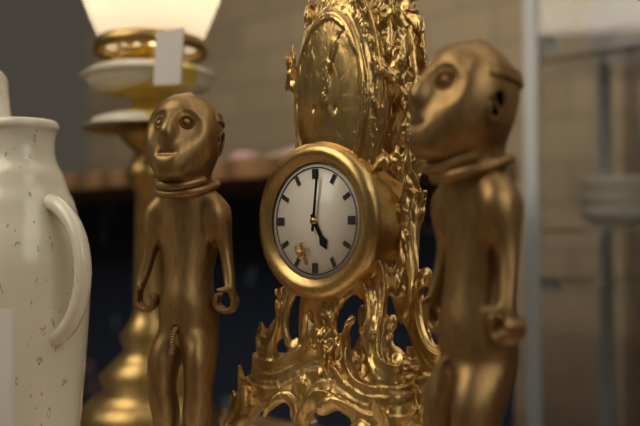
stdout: h=5 m=1
